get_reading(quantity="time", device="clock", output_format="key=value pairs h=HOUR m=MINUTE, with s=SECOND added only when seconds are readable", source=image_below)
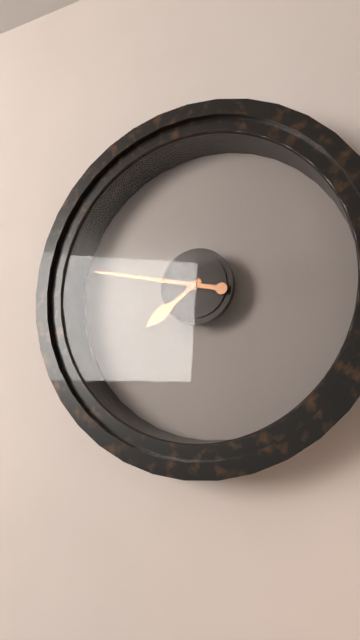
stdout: h=7 m=47
